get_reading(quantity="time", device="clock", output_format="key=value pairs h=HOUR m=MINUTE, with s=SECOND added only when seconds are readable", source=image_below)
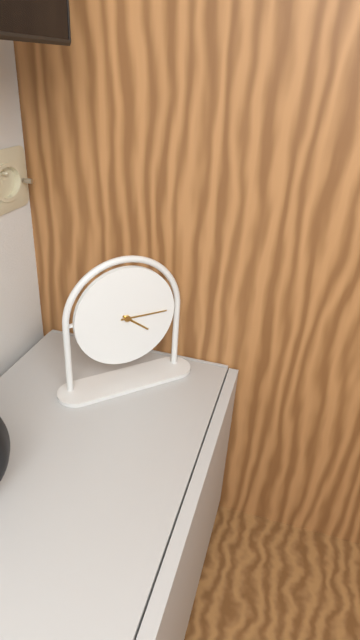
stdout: h=4 m=15
